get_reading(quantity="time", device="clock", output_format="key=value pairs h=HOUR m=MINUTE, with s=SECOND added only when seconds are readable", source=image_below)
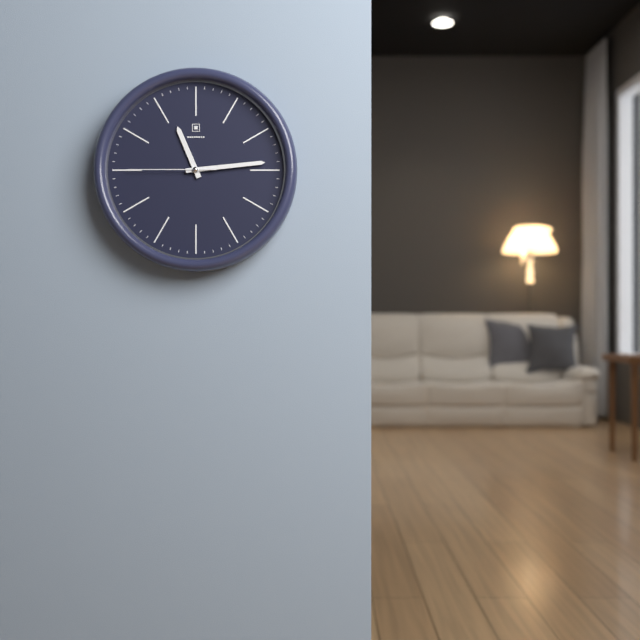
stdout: h=11 m=14 s=45
